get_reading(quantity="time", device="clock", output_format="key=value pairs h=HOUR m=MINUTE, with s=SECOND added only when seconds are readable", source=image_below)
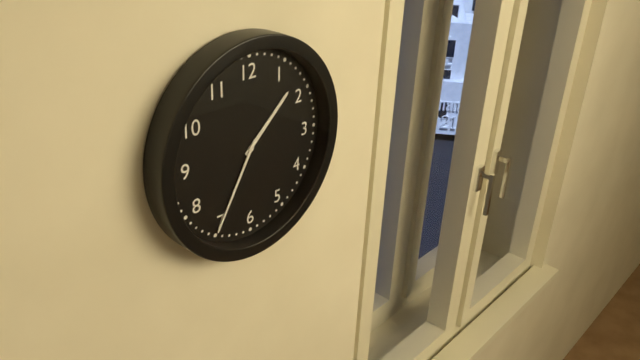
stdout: h=1 m=35
